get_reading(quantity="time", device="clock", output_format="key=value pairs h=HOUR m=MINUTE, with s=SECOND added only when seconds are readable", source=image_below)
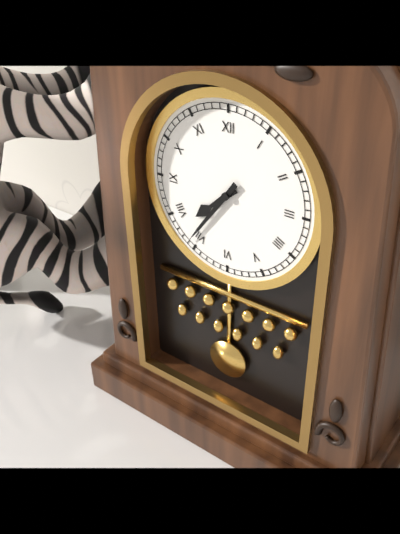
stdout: h=7 m=36
